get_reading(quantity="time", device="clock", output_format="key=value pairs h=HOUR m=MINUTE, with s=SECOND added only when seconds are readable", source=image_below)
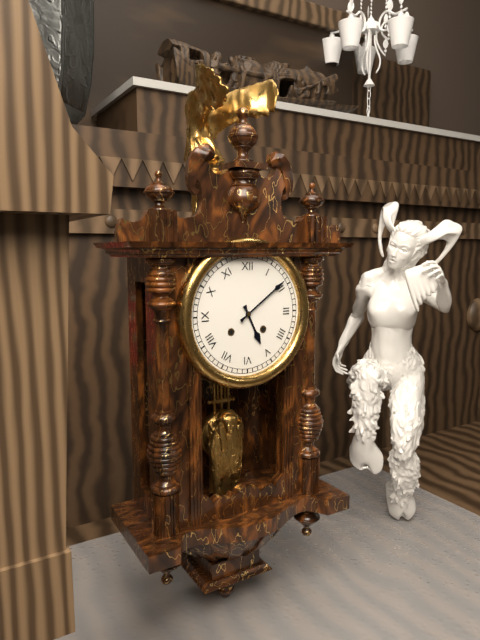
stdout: h=5 m=9
